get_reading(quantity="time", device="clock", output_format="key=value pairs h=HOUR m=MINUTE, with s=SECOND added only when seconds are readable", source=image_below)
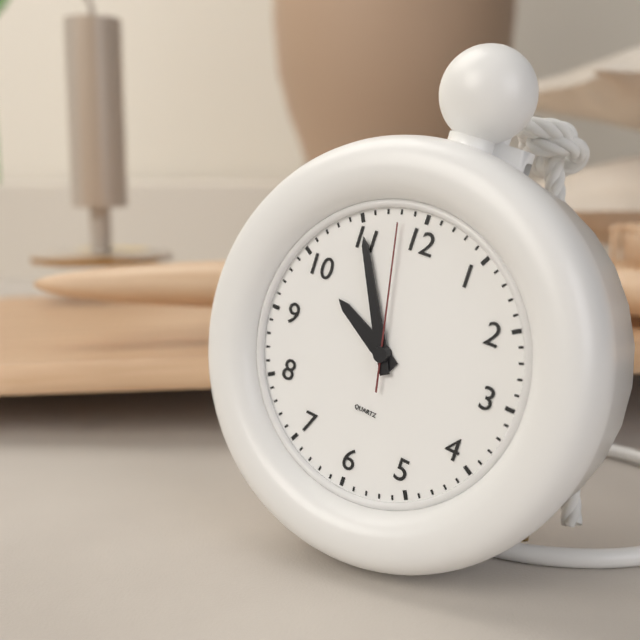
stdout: h=9 m=55 s=58
